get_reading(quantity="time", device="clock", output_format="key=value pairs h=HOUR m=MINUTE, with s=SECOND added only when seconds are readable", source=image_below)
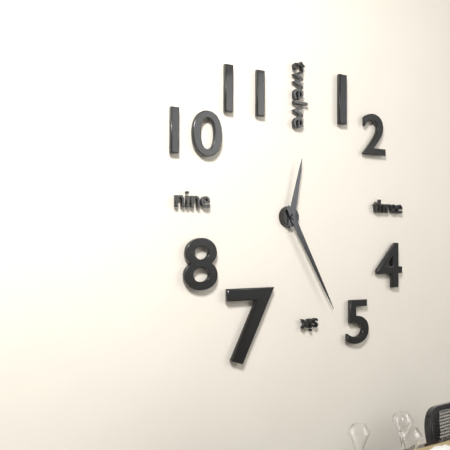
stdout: h=12 m=25
